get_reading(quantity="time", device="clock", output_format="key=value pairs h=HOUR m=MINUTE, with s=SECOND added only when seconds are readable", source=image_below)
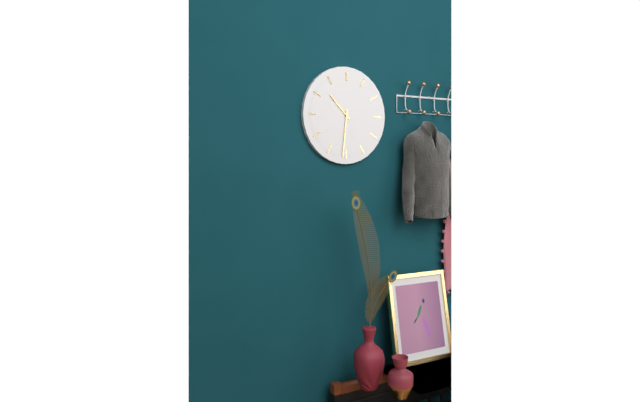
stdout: h=10 m=31
